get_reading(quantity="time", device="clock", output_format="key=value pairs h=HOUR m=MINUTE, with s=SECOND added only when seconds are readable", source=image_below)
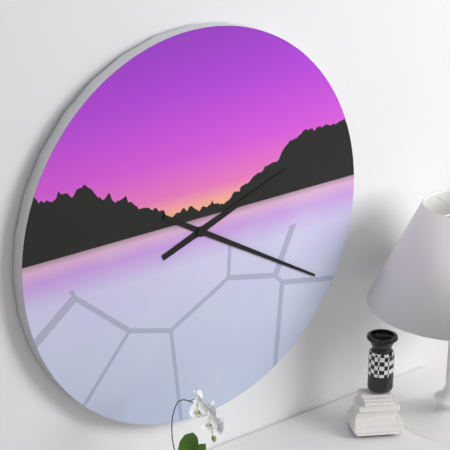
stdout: h=2 m=20
